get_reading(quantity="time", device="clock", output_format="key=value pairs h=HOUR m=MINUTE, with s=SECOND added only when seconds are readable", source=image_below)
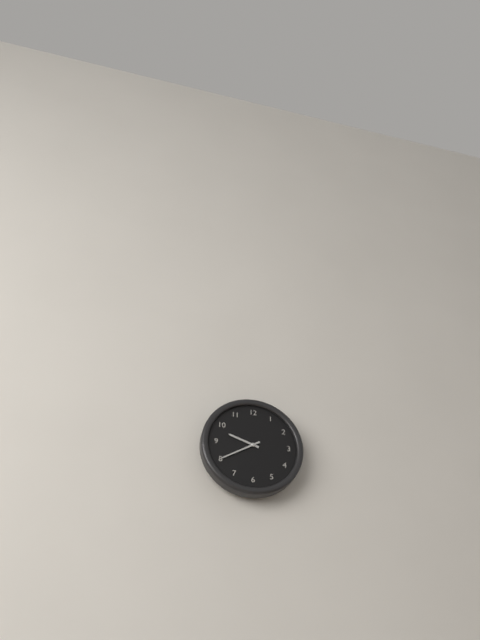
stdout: h=9 m=40
